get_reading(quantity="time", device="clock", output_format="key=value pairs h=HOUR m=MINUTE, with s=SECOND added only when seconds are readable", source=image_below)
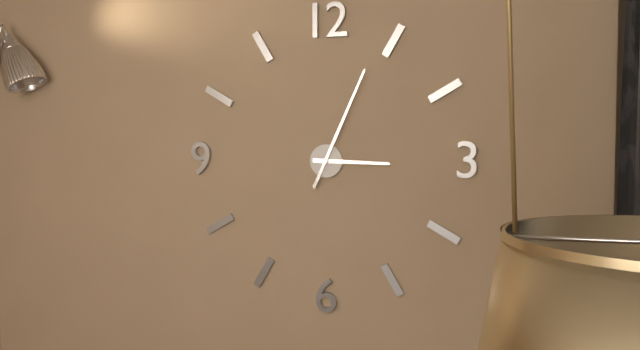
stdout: h=3 m=4
